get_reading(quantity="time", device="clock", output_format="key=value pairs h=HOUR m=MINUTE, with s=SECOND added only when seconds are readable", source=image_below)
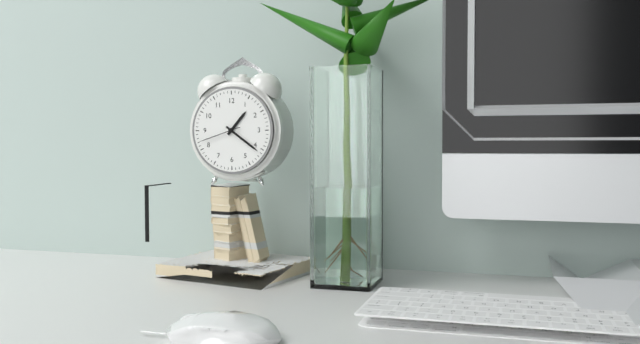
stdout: h=1 m=21
